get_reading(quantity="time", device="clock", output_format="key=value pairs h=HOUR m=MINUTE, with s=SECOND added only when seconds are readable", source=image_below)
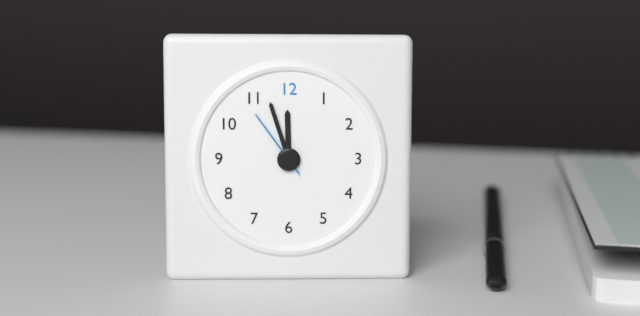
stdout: h=11 m=57 s=54
